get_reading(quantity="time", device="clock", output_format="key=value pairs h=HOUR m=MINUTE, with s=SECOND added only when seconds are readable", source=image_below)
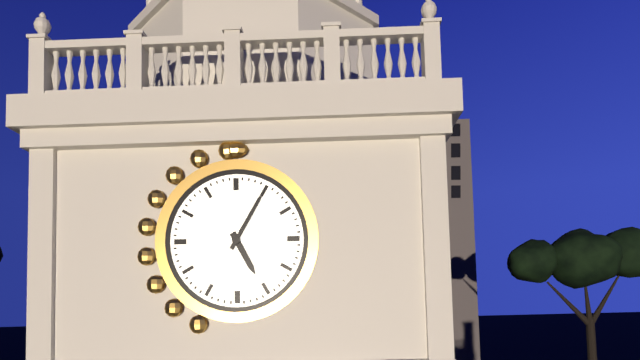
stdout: h=5 m=5
